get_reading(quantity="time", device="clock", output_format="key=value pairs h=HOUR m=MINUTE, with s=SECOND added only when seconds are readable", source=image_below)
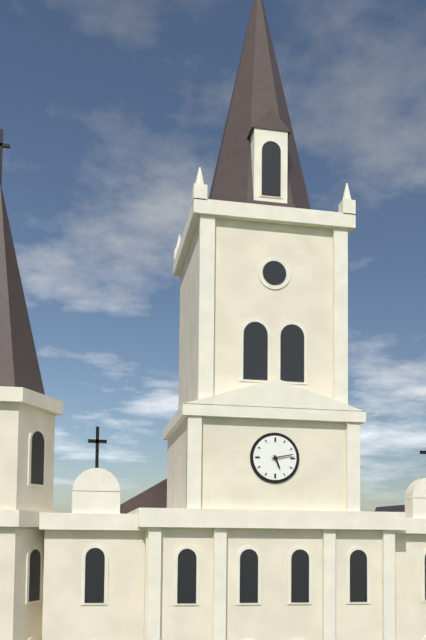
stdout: h=5 m=13
